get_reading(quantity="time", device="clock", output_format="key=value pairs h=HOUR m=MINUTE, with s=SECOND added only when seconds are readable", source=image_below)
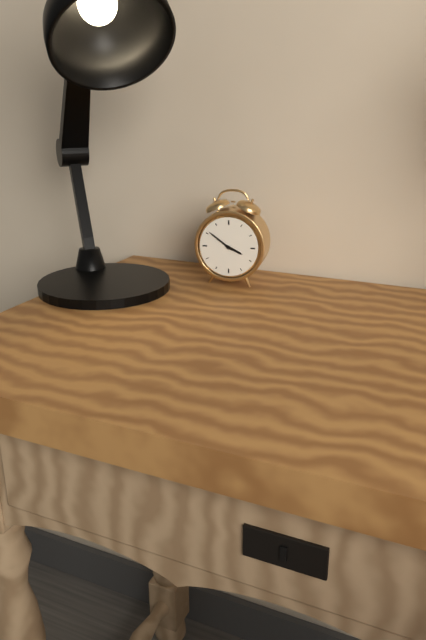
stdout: h=3 m=51
